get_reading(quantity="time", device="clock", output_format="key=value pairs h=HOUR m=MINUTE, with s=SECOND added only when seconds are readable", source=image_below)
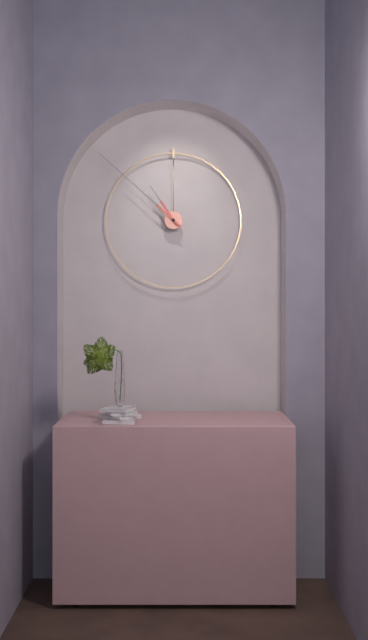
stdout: h=10 m=52
